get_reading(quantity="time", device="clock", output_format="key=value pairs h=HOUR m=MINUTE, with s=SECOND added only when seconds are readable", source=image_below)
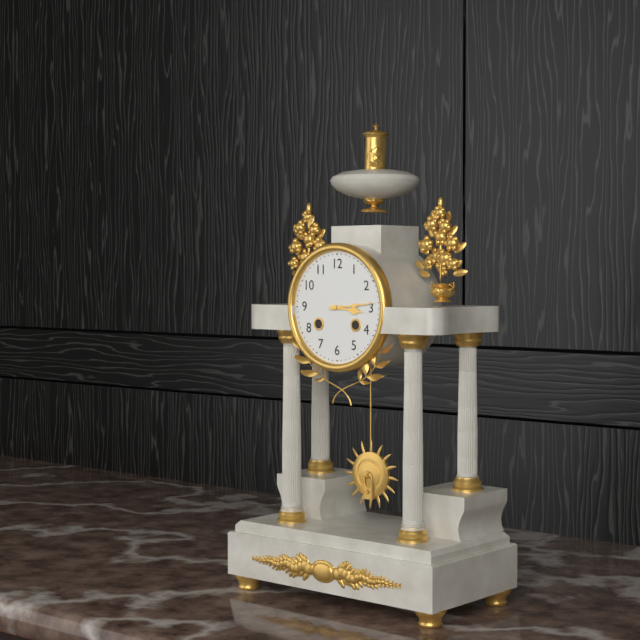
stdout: h=3 m=14
